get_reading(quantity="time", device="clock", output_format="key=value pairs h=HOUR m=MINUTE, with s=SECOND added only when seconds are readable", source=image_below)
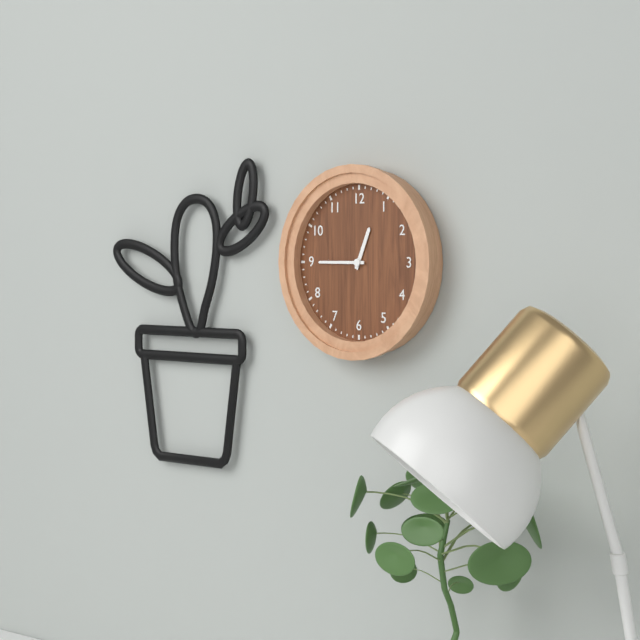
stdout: h=12 m=45
